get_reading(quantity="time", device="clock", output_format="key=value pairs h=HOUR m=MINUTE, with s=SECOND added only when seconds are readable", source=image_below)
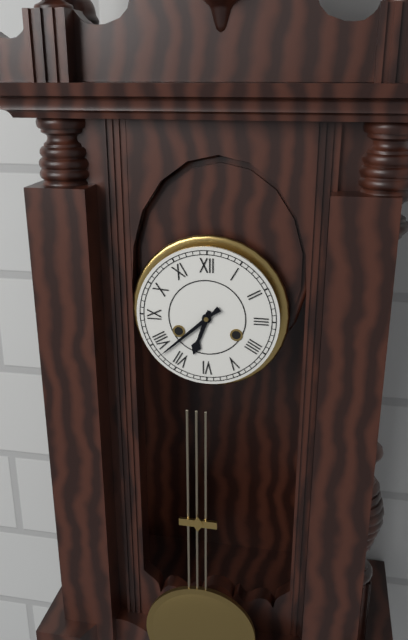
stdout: h=6 m=38
